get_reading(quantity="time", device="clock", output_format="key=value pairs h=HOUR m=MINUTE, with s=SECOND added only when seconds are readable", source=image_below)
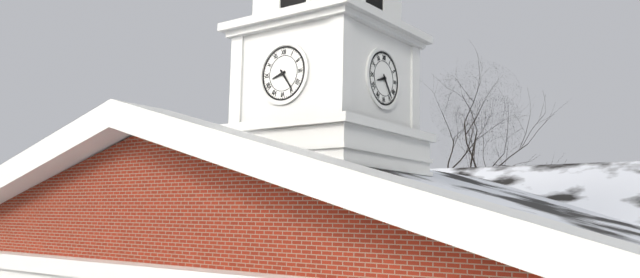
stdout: h=8 m=24
